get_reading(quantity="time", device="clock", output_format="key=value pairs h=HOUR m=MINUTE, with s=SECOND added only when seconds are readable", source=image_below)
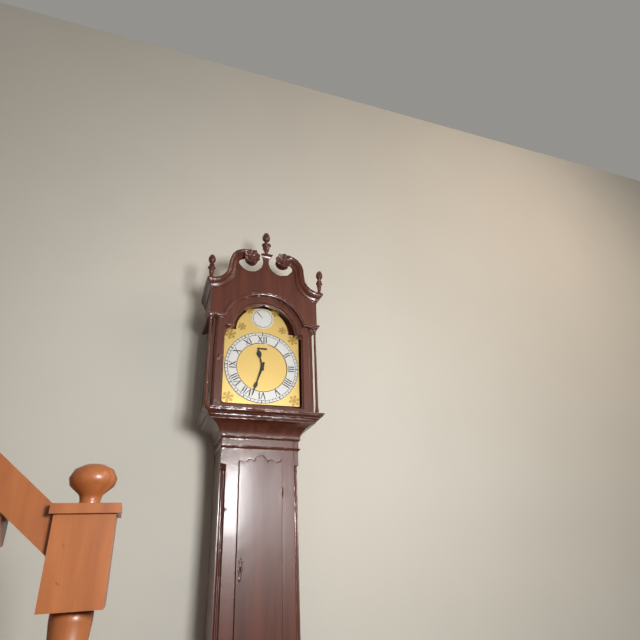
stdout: h=11 m=33
